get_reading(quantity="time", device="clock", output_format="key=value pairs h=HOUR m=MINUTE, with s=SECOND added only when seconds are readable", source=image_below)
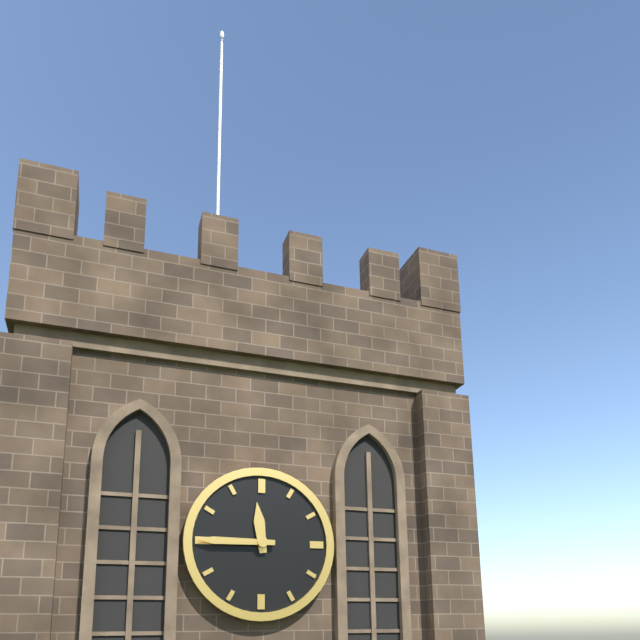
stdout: h=11 m=45
